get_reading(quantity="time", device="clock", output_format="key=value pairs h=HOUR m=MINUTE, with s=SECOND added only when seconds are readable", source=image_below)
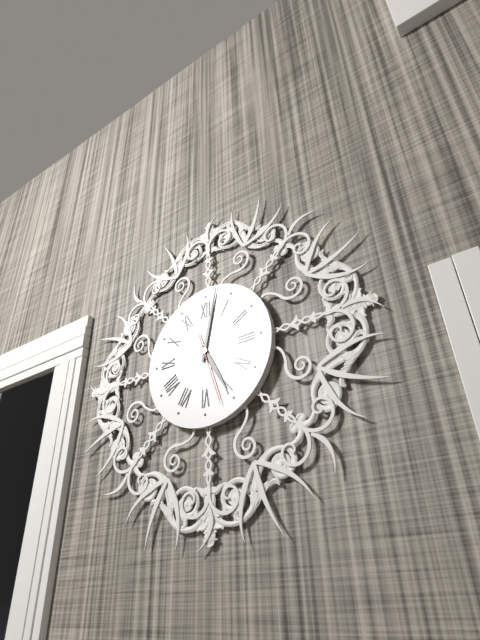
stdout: h=5 m=2 s=27
